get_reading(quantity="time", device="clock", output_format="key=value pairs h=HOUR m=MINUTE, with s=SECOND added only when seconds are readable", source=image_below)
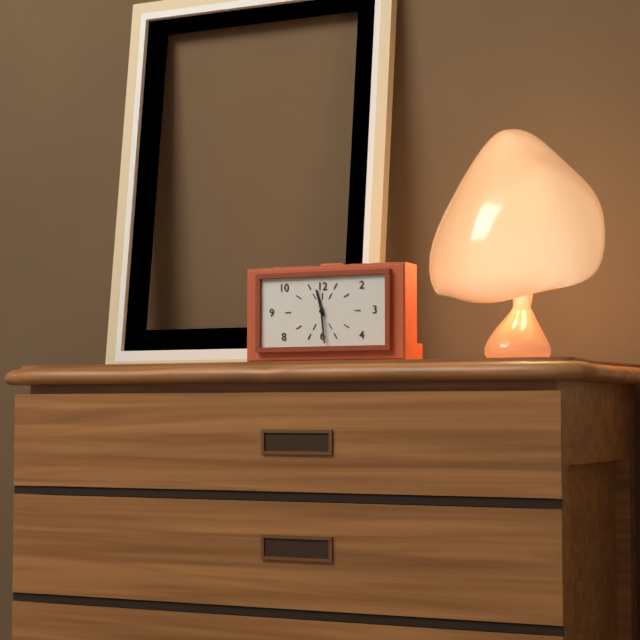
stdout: h=11 m=29
